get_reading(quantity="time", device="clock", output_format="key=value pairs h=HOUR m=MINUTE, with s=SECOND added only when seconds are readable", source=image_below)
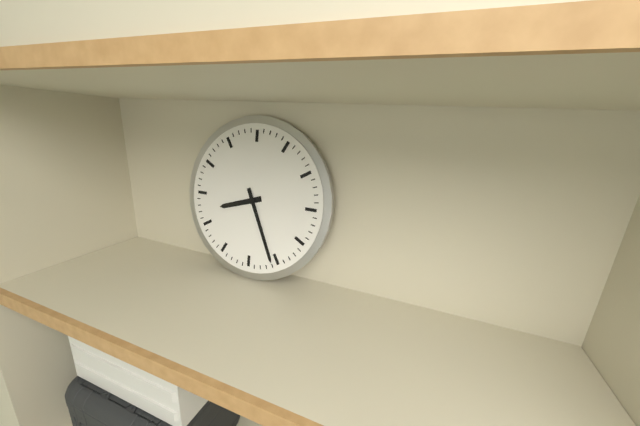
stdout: h=8 m=26
